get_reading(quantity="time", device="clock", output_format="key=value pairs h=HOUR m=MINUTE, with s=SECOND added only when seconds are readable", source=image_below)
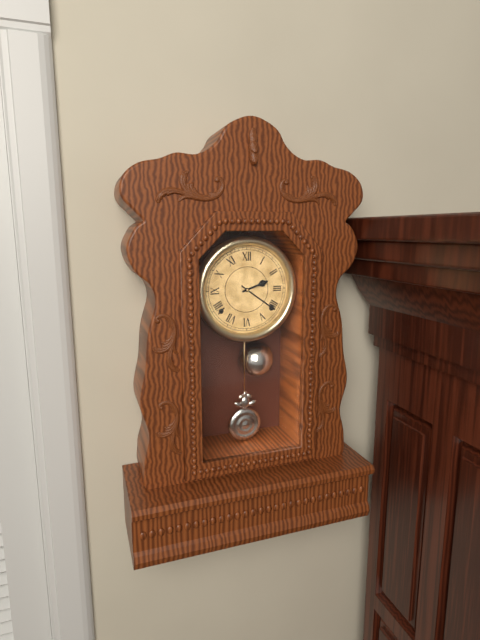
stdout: h=2 m=21
